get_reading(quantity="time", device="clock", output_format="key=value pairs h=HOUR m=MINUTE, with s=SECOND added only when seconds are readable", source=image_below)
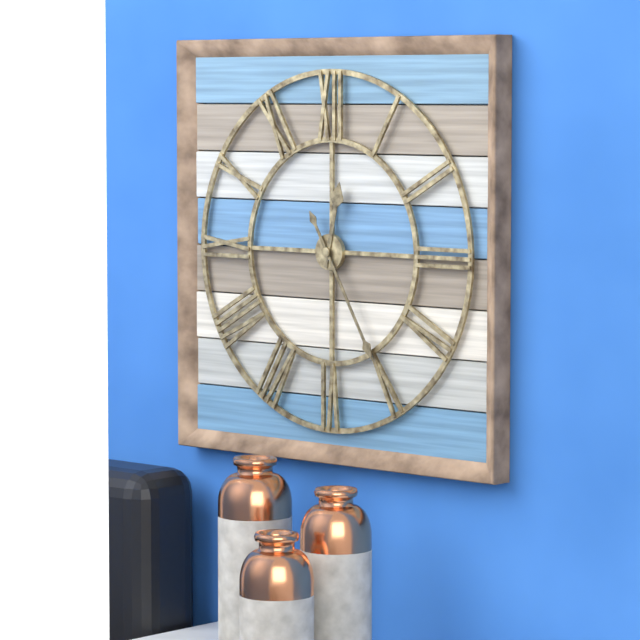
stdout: h=12 m=25
